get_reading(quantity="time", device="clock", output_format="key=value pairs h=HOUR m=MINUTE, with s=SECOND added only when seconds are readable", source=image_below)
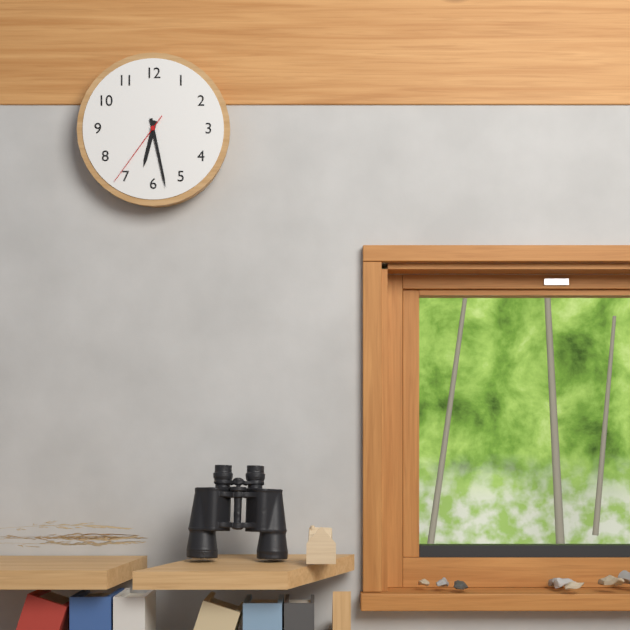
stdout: h=6 m=28 s=36
